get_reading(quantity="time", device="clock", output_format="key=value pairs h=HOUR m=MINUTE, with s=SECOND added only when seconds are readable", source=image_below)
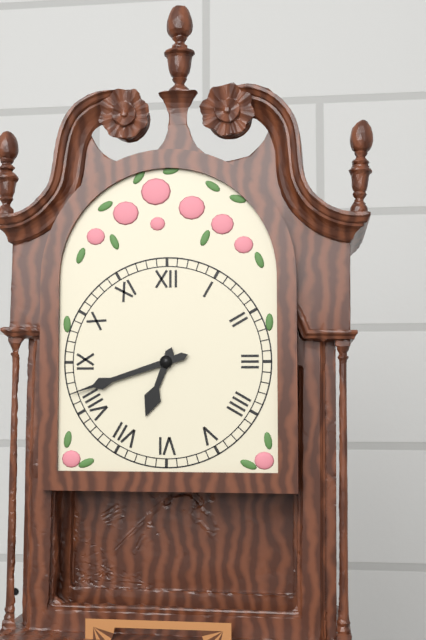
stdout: h=6 m=42
